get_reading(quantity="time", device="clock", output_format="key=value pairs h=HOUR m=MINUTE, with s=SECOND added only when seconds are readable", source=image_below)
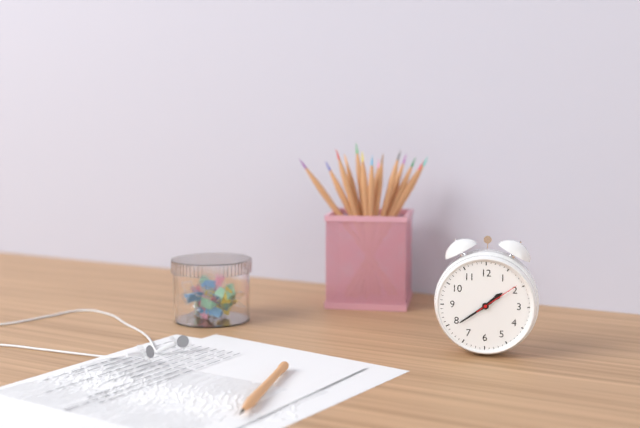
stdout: h=1 m=39
